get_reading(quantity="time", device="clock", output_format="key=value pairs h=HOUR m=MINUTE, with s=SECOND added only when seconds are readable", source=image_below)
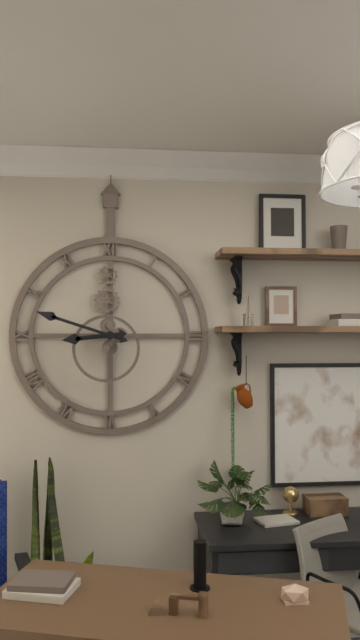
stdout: h=8 m=48
